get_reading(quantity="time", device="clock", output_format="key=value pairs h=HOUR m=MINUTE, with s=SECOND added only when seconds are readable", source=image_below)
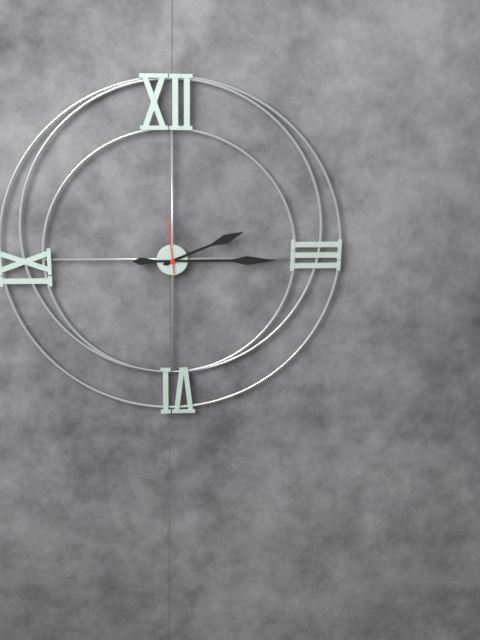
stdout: h=2 m=15 s=59
